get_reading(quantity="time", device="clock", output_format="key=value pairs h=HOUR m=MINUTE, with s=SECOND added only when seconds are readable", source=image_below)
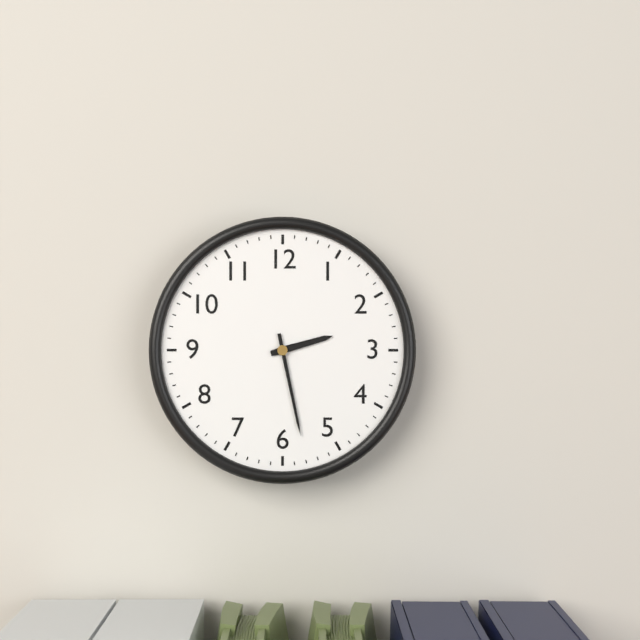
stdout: h=2 m=28
